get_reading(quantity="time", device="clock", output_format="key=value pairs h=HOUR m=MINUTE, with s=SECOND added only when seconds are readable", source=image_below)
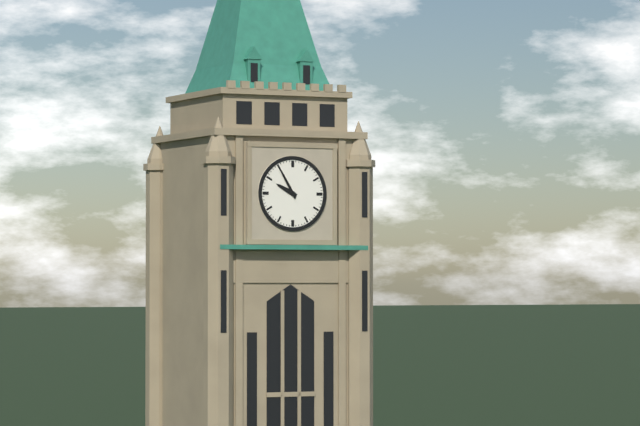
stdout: h=9 m=55
